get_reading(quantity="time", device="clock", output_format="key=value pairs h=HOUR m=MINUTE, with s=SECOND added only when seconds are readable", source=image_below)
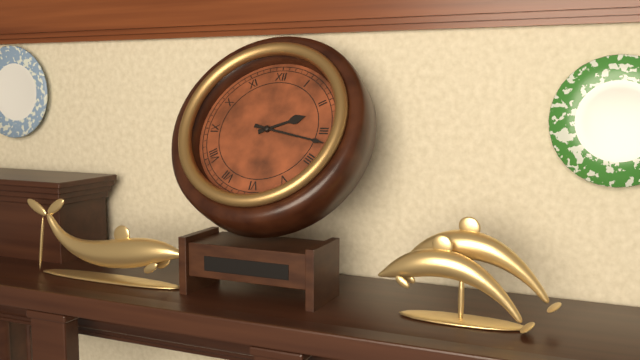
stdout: h=2 m=17
